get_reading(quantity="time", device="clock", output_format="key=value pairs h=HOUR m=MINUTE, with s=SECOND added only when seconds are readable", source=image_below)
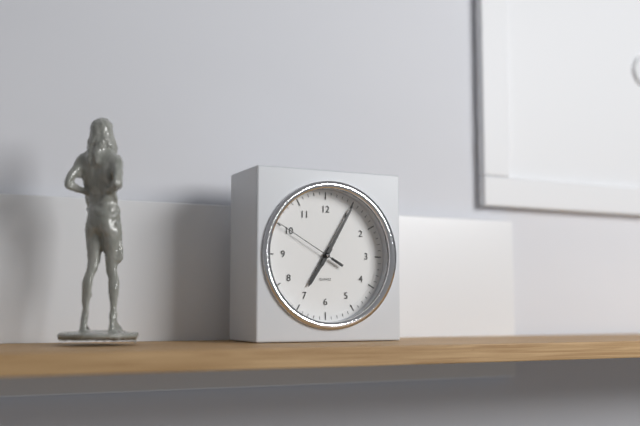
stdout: h=7 m=5 s=50
